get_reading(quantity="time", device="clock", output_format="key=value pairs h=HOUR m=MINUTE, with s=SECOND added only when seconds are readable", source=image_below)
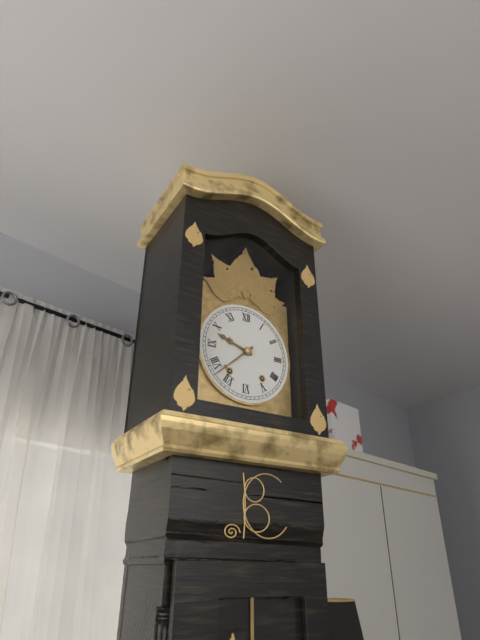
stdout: h=9 m=38
